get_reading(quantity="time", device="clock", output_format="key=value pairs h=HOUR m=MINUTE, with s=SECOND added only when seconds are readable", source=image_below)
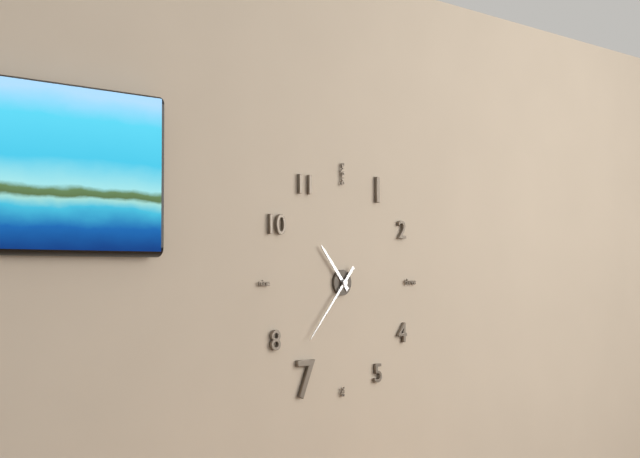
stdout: h=10 m=37
